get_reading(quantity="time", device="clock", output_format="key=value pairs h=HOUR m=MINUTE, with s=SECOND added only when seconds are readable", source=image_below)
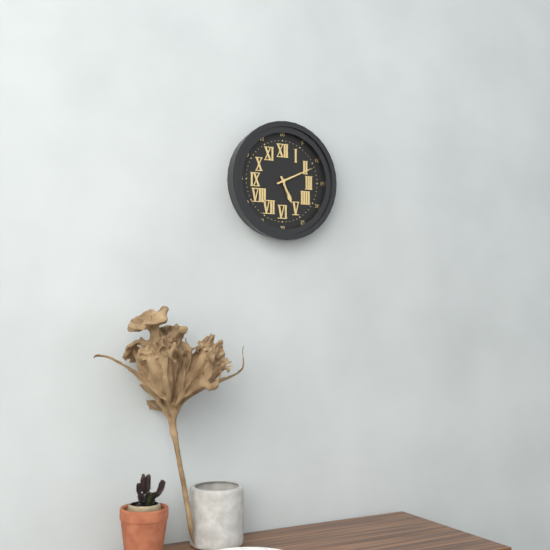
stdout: h=5 m=11
